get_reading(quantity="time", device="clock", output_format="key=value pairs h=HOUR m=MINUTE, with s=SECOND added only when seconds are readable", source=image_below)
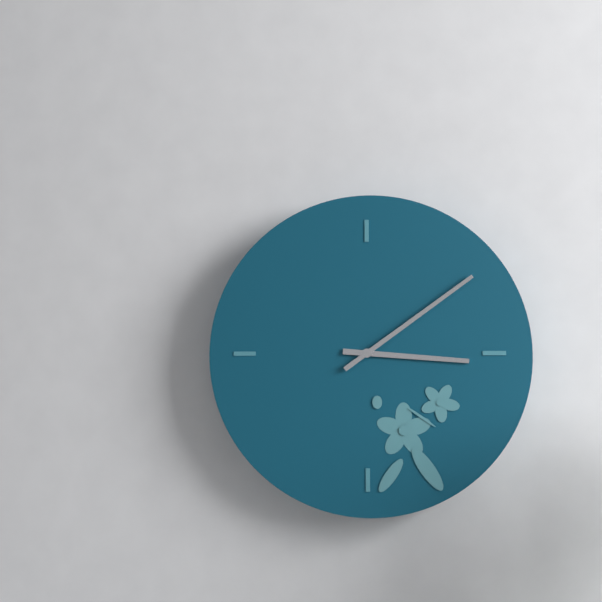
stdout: h=3 m=9
